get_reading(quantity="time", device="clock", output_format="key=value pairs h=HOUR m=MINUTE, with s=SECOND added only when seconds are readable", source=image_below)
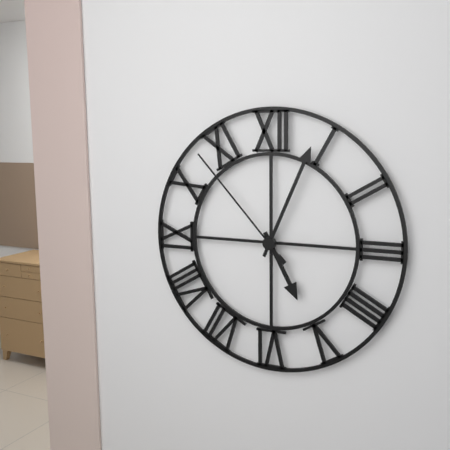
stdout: h=5 m=4 s=53
